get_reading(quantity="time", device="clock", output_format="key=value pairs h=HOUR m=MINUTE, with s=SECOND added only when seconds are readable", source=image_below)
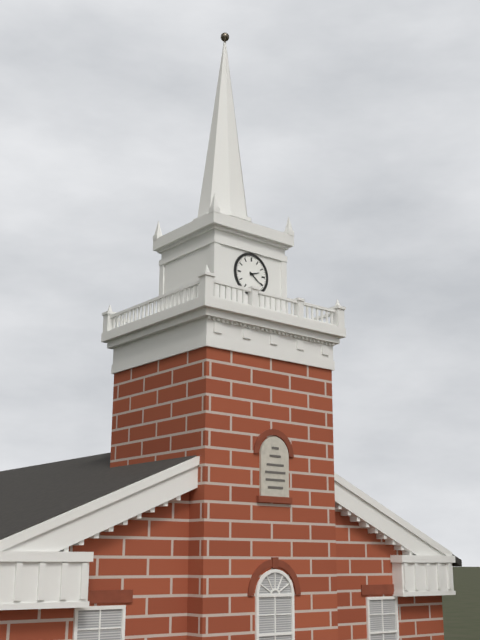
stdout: h=2 m=21
